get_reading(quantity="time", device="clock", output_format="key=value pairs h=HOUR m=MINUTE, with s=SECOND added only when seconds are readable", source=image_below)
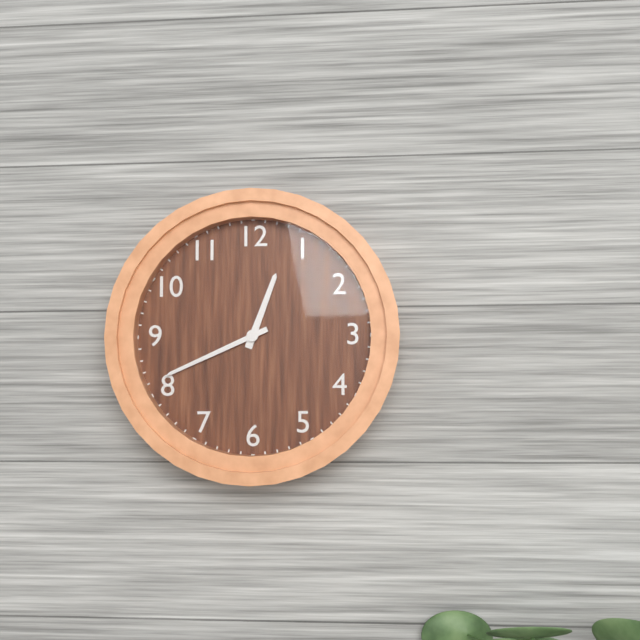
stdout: h=12 m=41
